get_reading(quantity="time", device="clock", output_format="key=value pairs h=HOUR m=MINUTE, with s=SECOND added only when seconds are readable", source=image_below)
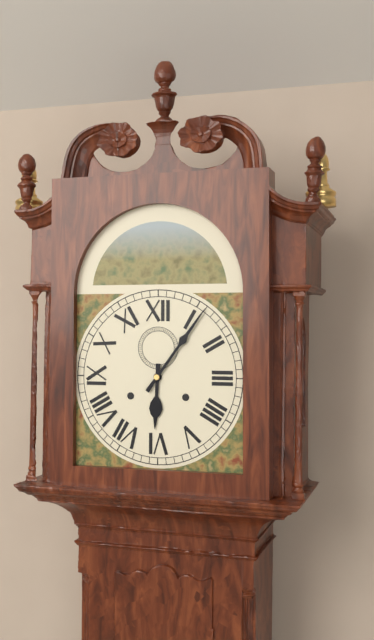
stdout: h=6 m=6
